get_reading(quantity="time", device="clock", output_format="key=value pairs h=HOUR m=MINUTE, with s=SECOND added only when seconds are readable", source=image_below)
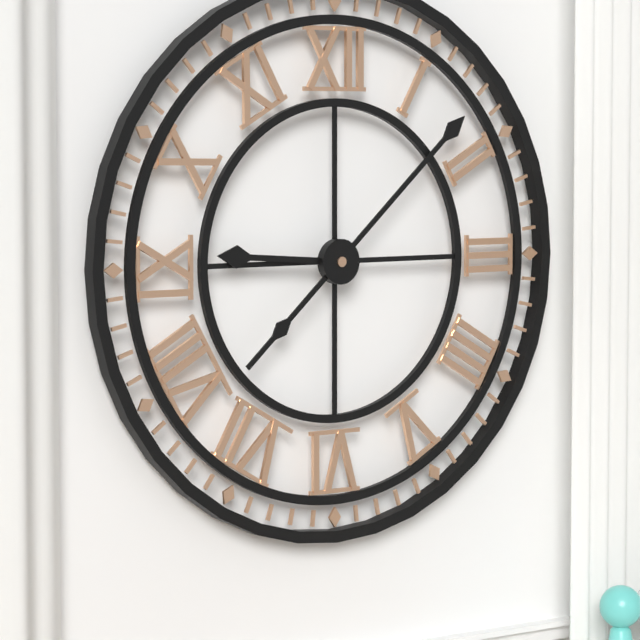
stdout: h=9 m=8
